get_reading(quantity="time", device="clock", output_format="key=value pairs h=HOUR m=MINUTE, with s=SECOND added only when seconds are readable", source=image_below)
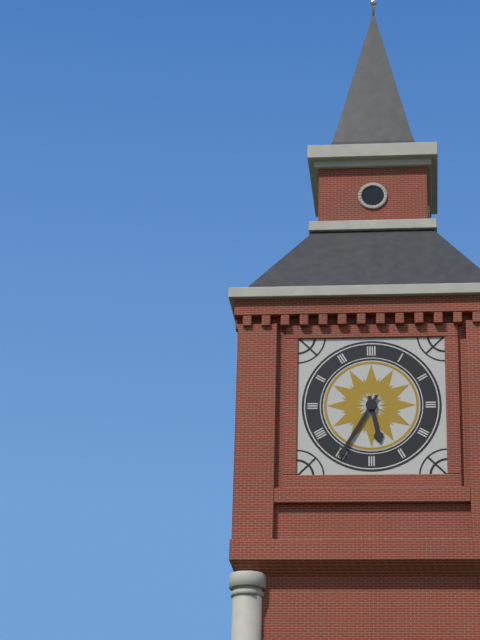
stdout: h=5 m=35
